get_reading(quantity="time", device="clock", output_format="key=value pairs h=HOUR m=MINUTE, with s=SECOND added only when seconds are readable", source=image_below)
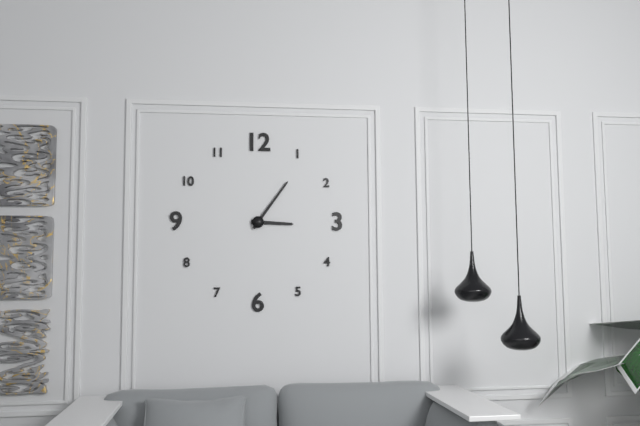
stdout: h=3 m=6
